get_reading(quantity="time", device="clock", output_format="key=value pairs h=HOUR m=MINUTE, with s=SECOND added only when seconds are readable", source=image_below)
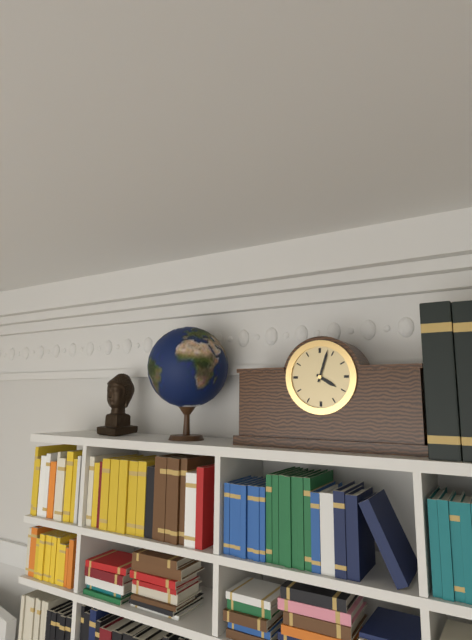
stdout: h=4 m=3
